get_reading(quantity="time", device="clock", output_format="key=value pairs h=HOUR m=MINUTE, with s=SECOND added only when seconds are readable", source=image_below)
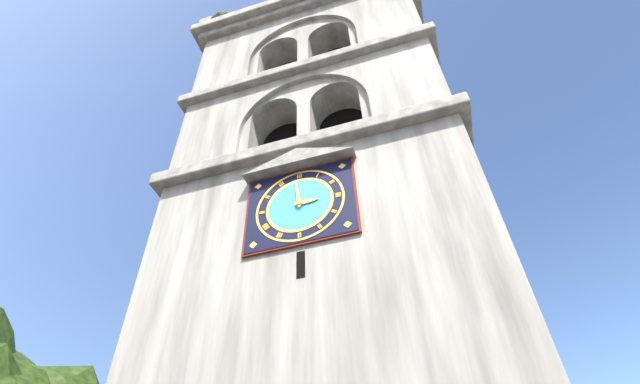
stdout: h=2 m=59
